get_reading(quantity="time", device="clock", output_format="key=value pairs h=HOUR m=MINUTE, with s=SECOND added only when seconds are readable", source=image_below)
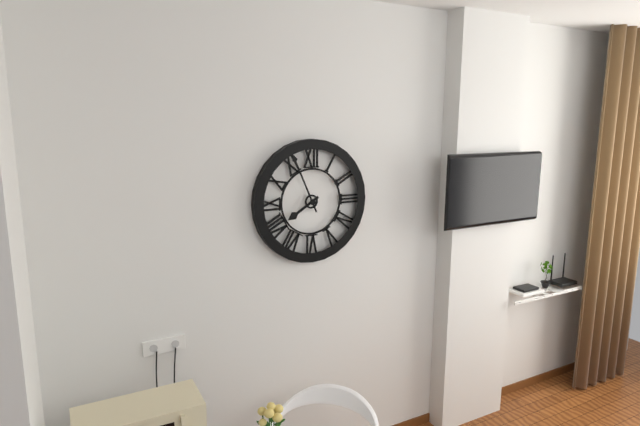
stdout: h=7 m=56
